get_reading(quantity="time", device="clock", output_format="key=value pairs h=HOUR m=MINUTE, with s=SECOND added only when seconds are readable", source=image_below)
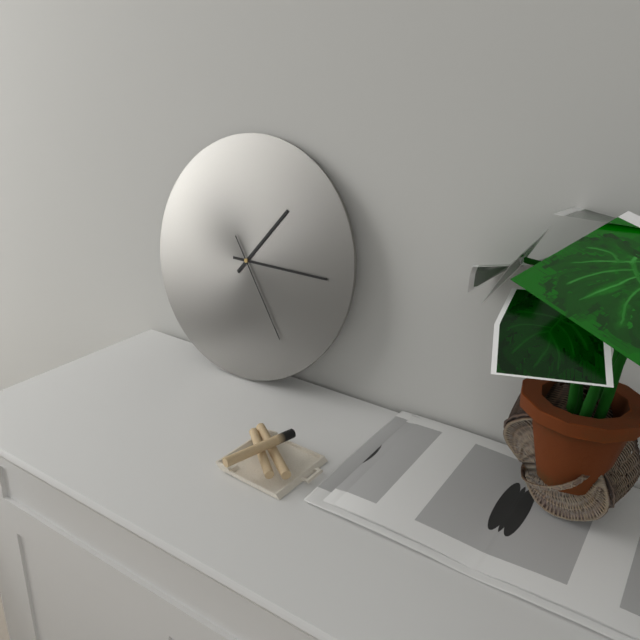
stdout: h=1 m=15 s=24
